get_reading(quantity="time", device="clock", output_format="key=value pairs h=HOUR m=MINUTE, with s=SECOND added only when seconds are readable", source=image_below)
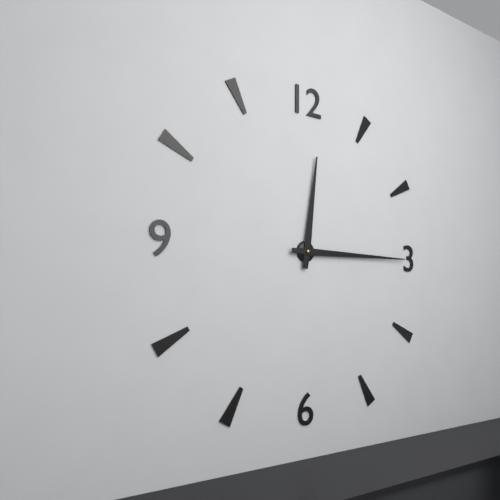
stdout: h=12 m=15
